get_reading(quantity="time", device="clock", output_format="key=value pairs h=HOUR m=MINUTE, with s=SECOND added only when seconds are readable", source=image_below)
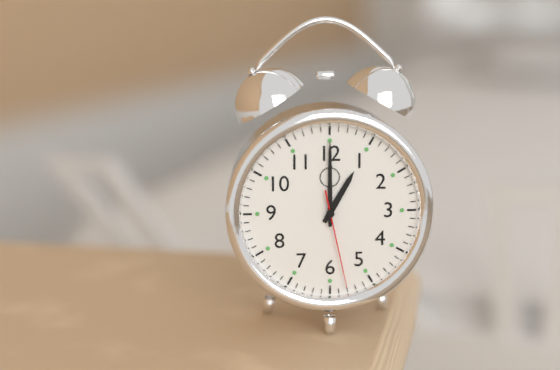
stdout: h=1 m=0 s=28
